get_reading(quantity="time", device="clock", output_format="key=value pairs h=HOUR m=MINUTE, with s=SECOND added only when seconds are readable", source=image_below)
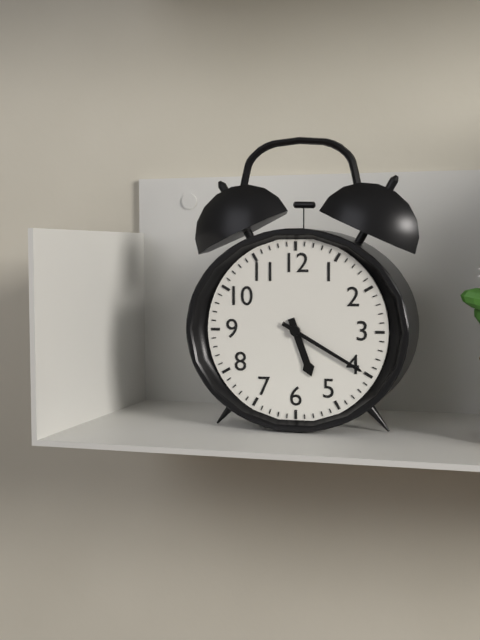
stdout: h=5 m=20
